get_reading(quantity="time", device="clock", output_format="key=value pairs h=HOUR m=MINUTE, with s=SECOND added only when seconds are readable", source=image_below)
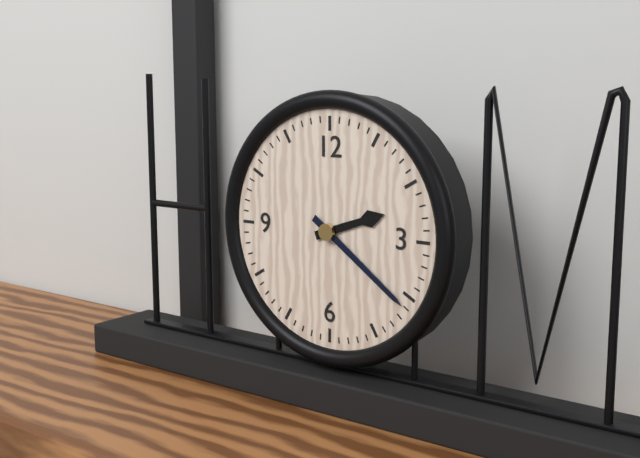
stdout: h=2 m=21
